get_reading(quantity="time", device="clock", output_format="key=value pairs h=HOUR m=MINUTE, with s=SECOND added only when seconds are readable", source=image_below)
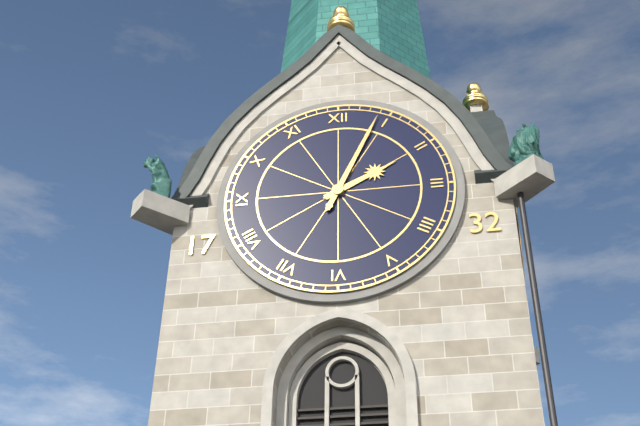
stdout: h=2 m=4
